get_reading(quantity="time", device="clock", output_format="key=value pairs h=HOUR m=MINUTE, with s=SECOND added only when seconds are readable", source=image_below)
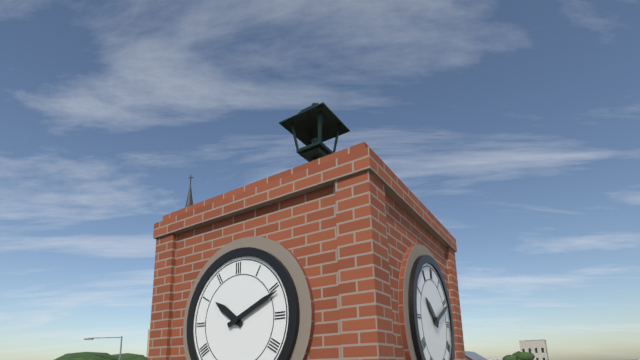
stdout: h=10 m=11
